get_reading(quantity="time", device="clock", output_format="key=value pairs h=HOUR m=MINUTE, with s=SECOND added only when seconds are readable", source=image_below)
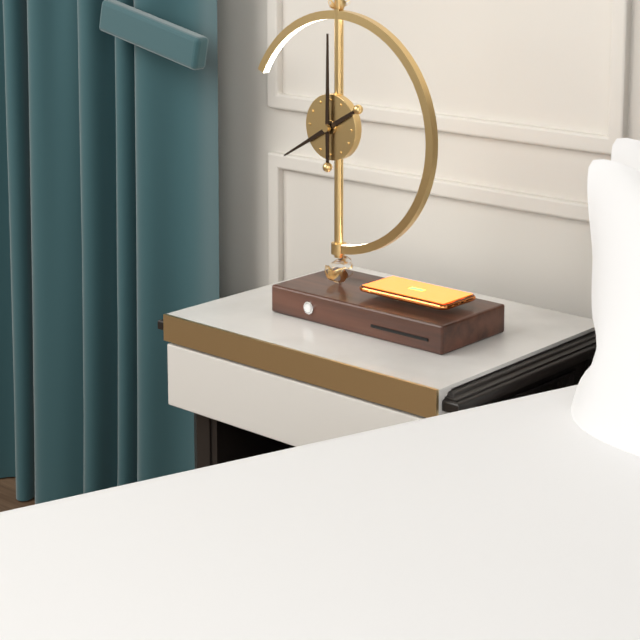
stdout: h=8 m=0
